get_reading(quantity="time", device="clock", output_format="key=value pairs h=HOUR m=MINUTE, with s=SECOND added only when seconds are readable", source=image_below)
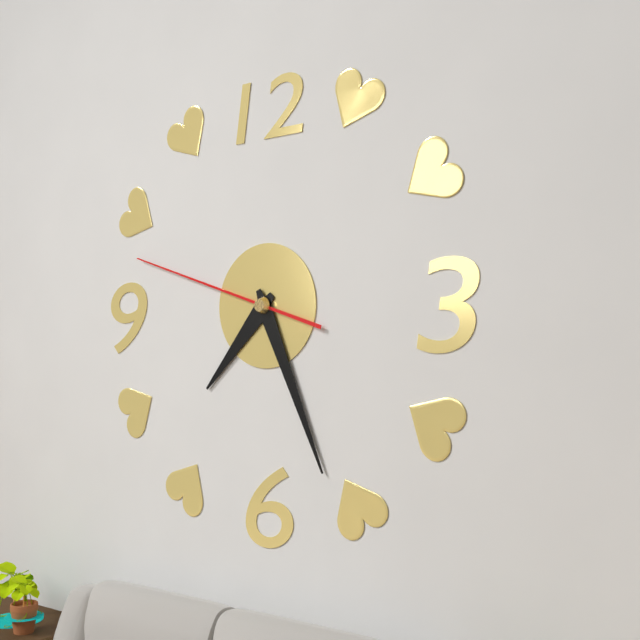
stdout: h=7 m=26 s=48
